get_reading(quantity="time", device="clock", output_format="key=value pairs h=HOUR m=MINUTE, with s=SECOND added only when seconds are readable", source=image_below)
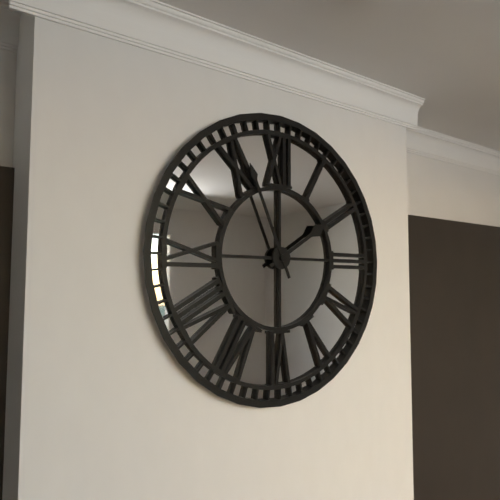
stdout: h=1 m=56
